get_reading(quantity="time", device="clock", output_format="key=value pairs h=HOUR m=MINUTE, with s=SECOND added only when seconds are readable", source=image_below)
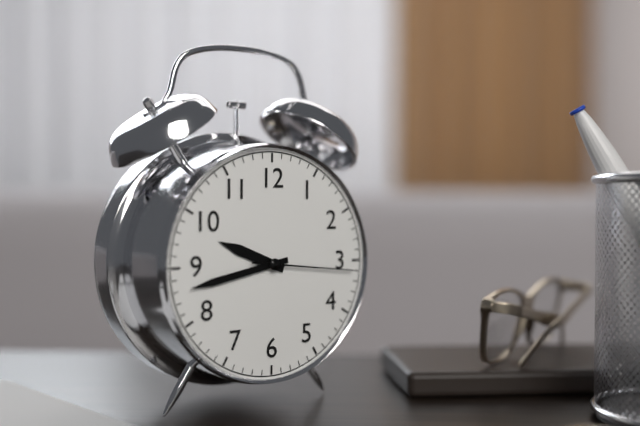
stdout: h=9 m=43 s=16
